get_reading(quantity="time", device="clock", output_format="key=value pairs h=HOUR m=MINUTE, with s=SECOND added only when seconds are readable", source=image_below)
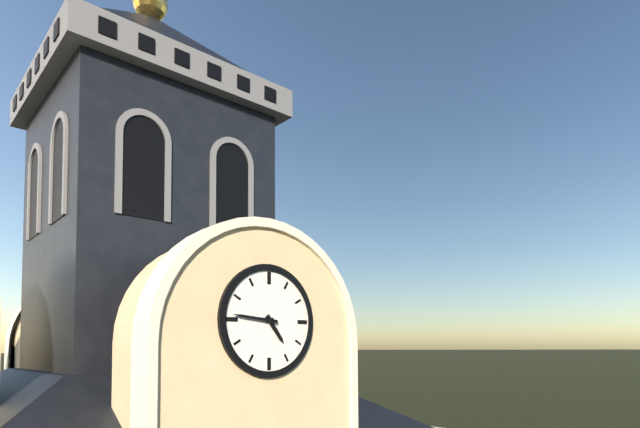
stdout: h=4 m=46
